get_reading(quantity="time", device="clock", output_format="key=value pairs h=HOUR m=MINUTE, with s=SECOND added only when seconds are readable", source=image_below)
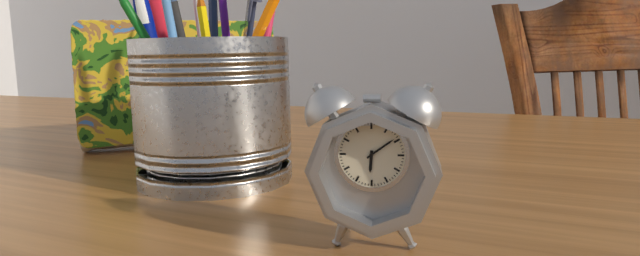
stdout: h=6 m=9
